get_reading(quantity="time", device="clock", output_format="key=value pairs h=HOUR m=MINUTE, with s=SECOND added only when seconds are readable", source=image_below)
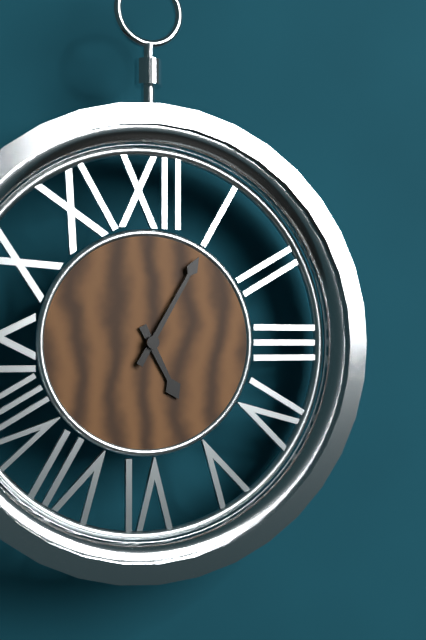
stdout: h=5 m=5
